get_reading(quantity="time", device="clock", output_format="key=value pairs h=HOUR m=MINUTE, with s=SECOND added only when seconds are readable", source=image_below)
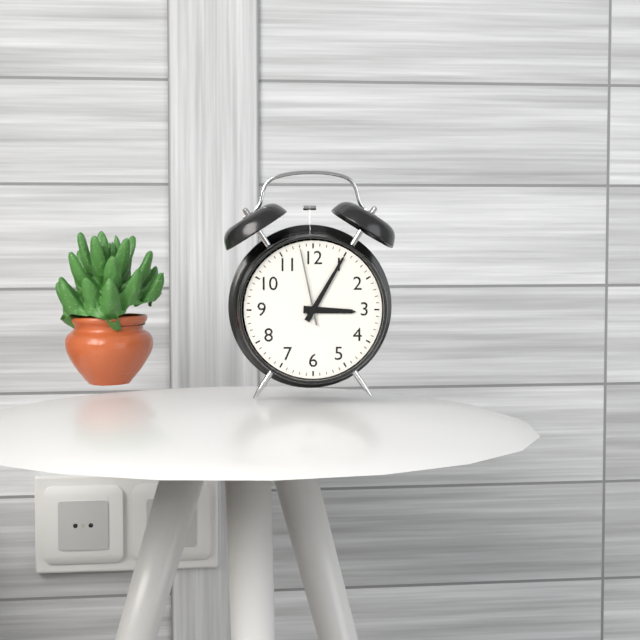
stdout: h=3 m=5 s=58
